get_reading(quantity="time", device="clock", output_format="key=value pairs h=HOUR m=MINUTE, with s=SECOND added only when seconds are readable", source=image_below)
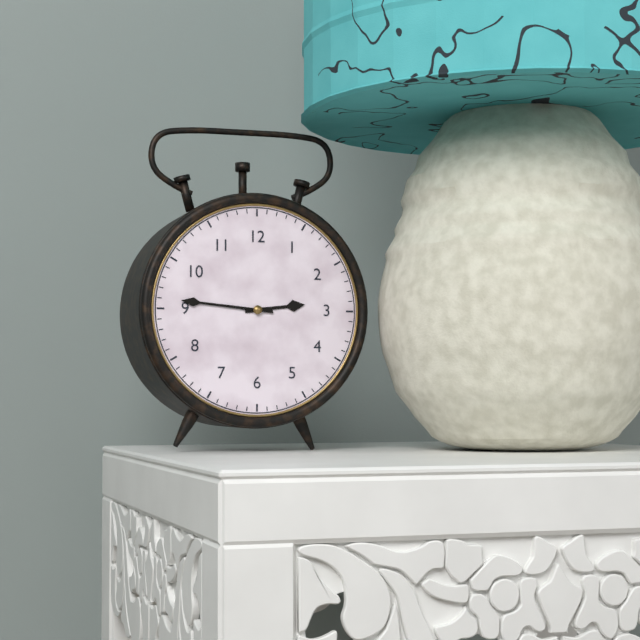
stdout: h=2 m=46
